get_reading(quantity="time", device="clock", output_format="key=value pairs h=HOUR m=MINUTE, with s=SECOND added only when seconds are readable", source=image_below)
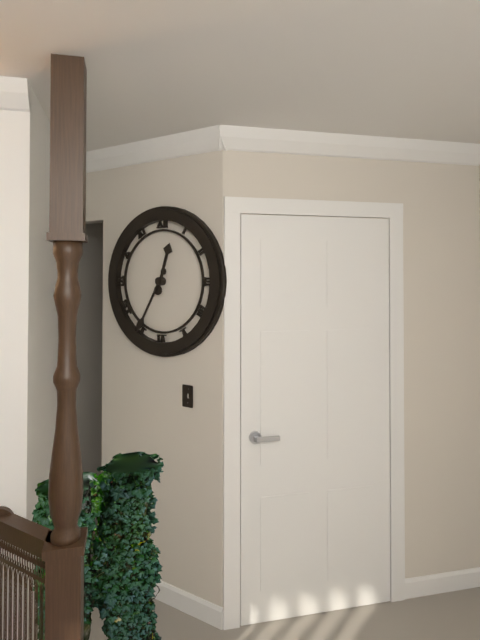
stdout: h=12 m=35
